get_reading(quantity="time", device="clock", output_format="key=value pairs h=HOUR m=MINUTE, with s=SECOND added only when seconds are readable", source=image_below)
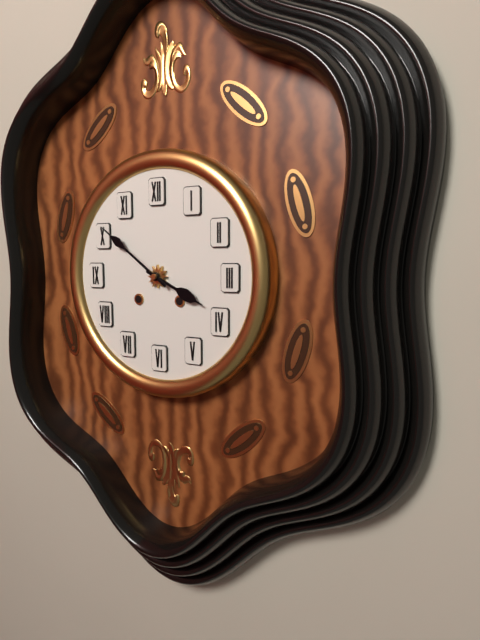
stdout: h=3 m=51
